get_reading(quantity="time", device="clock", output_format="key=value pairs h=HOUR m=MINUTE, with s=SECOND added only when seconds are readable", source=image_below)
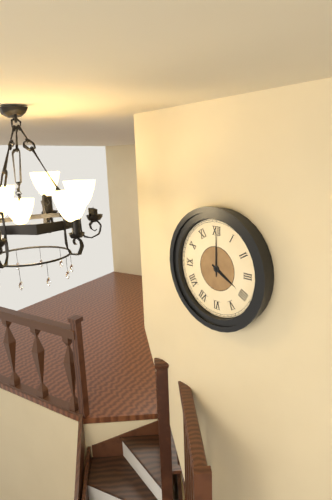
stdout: h=4 m=0
